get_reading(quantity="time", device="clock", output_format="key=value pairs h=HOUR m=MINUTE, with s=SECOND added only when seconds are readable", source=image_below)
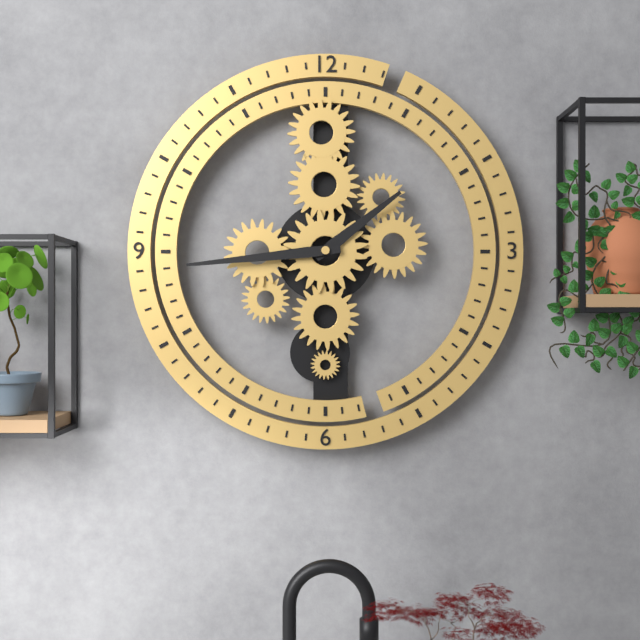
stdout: h=1 m=44
